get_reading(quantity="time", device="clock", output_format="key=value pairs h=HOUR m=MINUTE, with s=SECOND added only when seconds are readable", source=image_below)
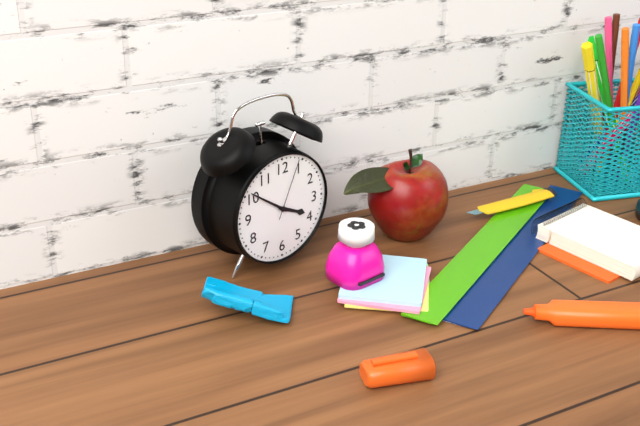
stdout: h=3 m=51 s=4
